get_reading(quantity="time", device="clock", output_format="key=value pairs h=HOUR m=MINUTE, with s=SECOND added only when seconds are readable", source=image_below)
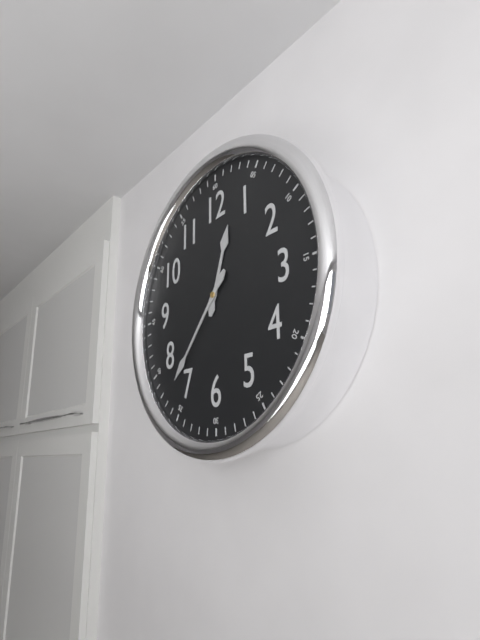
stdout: h=12 m=37
